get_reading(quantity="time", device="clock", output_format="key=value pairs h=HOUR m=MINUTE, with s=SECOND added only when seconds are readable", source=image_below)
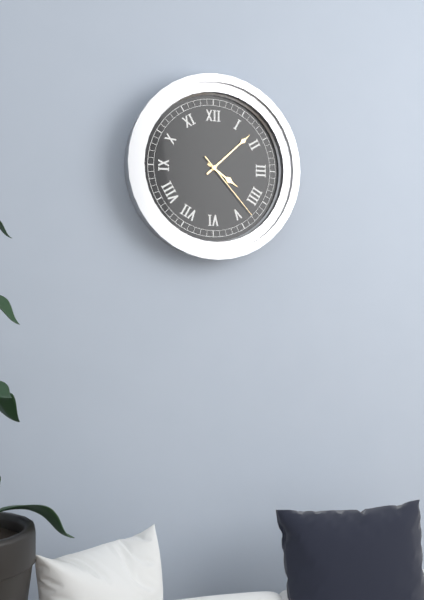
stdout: h=4 m=8 s=23
